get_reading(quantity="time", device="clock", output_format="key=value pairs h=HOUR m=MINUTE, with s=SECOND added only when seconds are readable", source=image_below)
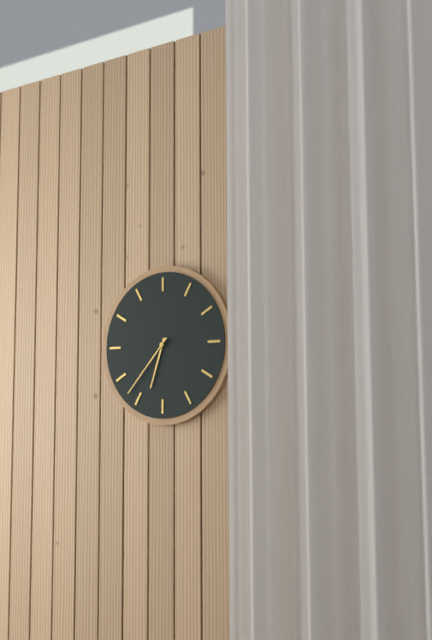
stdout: h=6 m=37
